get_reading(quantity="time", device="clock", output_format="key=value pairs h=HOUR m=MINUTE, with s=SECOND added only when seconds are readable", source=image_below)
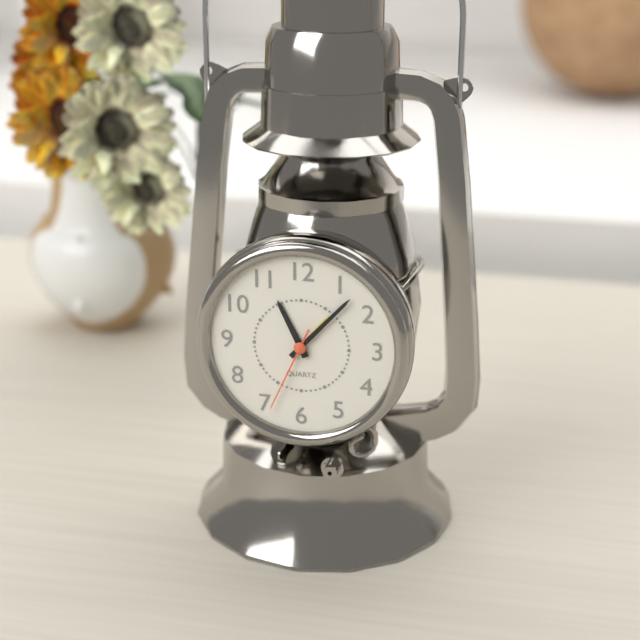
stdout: h=11 m=7 s=34
